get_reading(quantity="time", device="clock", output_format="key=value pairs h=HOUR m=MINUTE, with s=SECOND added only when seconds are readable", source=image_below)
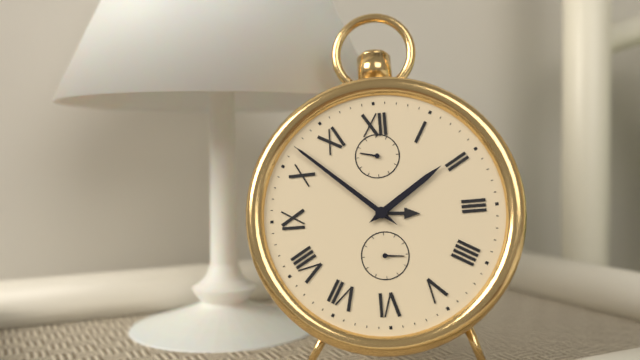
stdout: h=1 m=52
